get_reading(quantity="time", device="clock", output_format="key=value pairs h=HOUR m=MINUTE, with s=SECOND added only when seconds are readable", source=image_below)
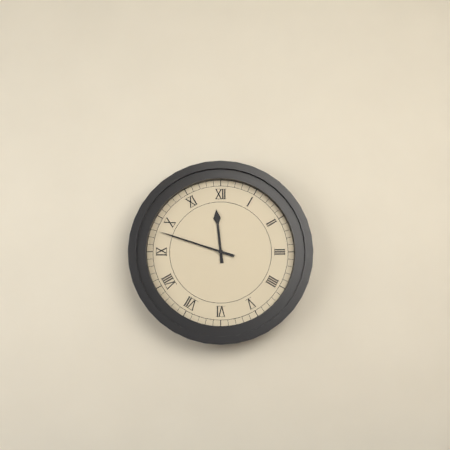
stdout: h=11 m=48
